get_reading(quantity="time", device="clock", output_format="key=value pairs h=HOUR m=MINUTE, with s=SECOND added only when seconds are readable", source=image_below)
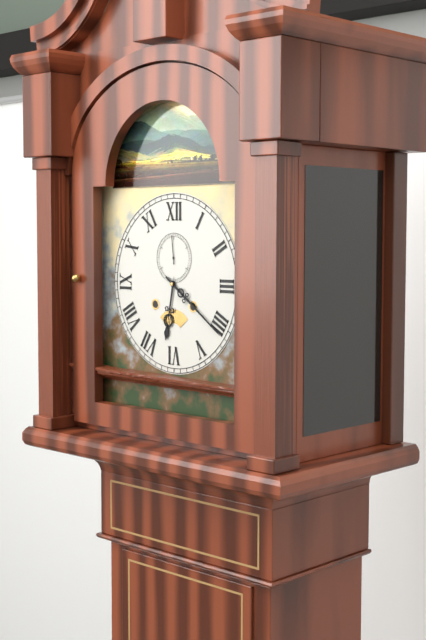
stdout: h=6 m=21
